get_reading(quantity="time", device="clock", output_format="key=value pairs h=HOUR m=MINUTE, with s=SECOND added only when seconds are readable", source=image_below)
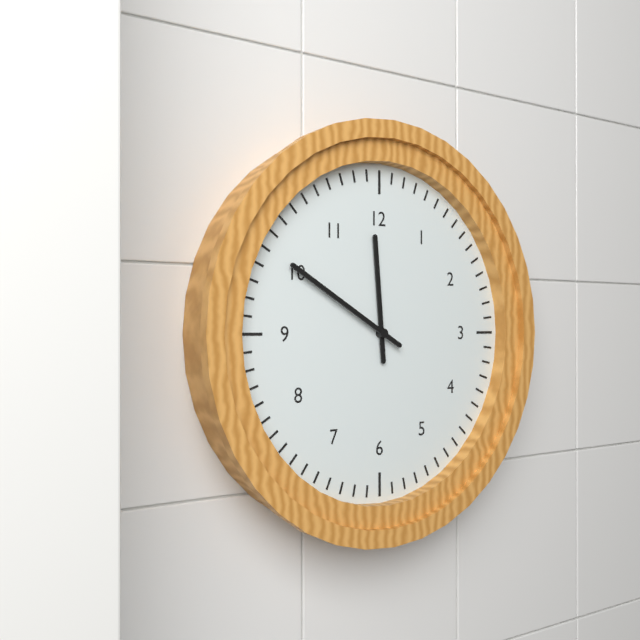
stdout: h=11 m=50
